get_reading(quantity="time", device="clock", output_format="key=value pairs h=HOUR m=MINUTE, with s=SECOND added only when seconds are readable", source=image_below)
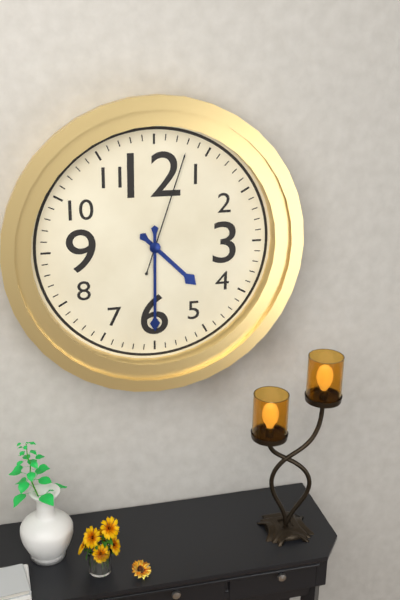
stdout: h=4 m=30 s=3
